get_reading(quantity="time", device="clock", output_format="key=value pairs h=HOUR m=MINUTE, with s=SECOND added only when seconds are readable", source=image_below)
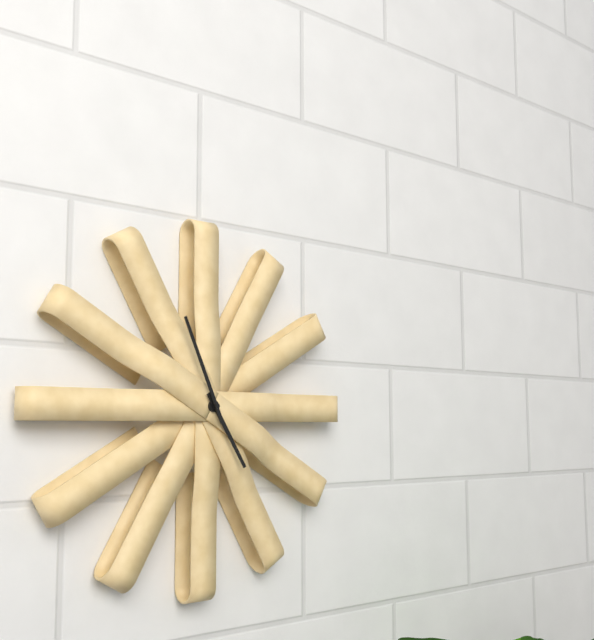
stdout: h=4 m=56
